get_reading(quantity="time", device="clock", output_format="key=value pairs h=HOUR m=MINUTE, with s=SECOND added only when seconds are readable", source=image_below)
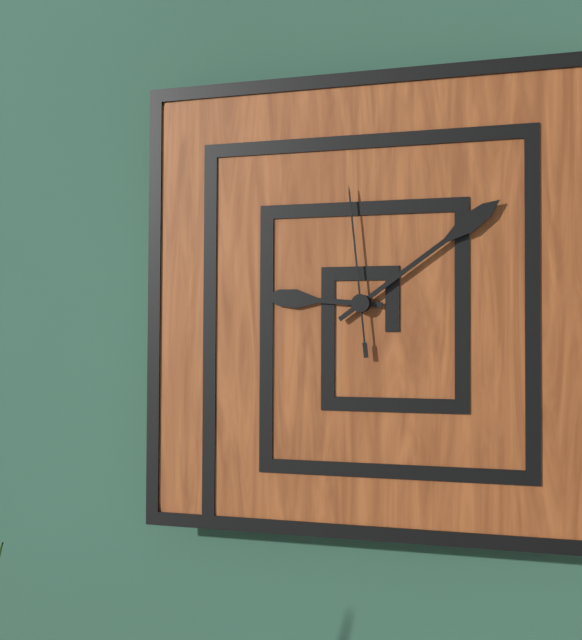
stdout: h=9 m=9 s=59
